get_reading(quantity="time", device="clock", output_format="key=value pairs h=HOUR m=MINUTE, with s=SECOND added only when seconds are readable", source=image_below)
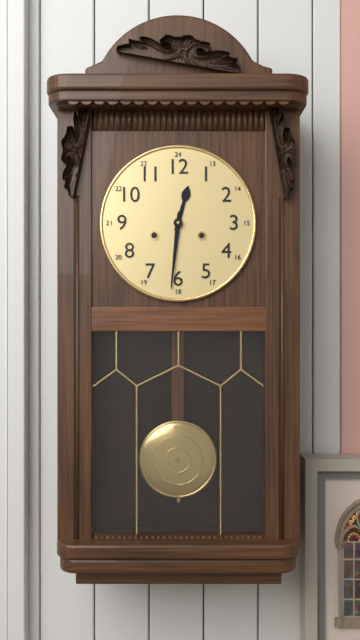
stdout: h=12 m=31
